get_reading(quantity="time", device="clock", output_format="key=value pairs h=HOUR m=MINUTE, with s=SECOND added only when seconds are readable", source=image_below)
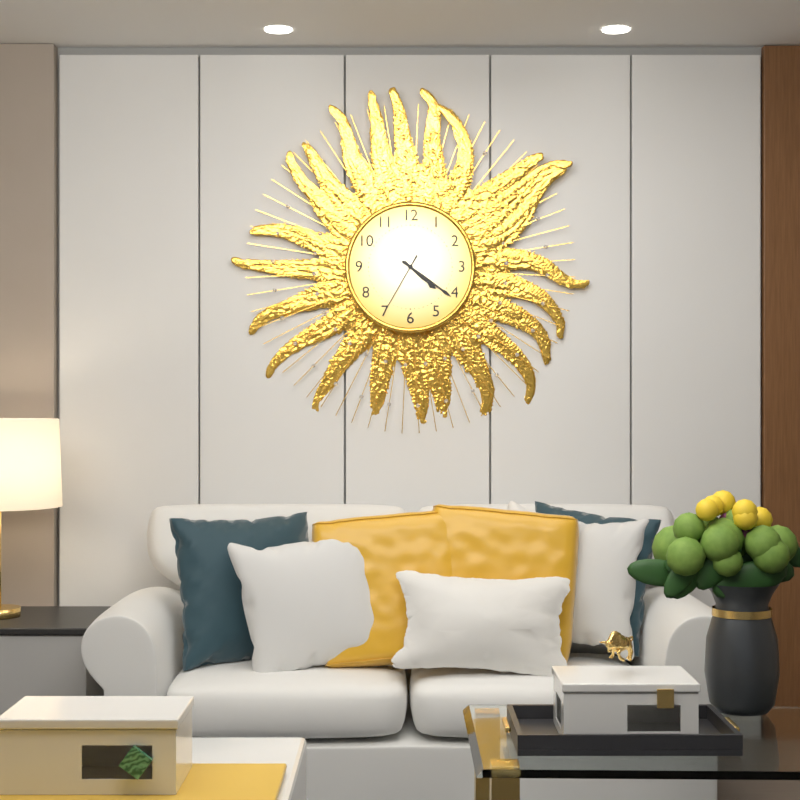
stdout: h=4 m=21 s=35
